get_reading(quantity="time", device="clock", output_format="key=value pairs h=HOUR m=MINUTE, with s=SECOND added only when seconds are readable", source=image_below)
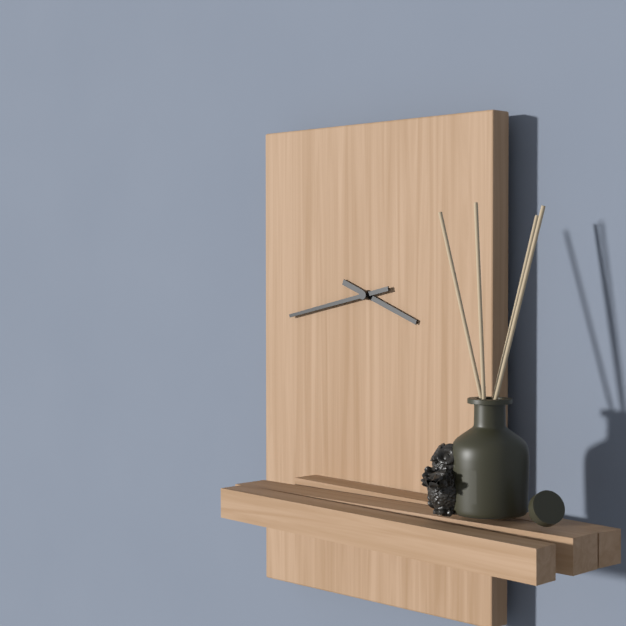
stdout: h=3 m=43
